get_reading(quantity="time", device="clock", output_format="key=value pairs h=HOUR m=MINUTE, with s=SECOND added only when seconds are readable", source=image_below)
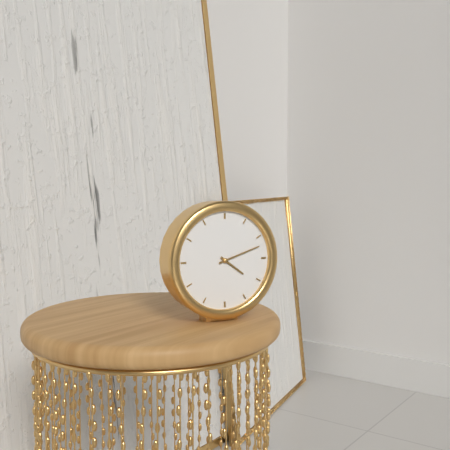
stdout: h=4 m=12
